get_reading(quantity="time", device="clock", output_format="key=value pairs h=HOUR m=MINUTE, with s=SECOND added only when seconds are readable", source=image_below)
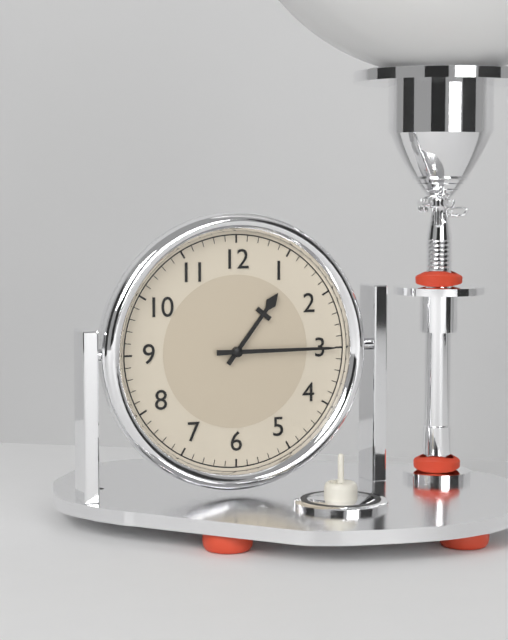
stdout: h=1 m=15
